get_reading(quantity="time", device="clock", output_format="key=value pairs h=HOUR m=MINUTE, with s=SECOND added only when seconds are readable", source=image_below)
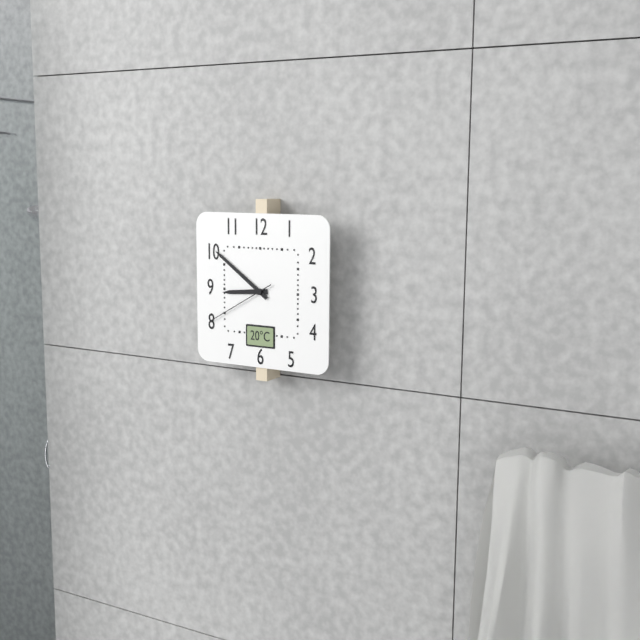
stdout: h=8 m=51 s=40
